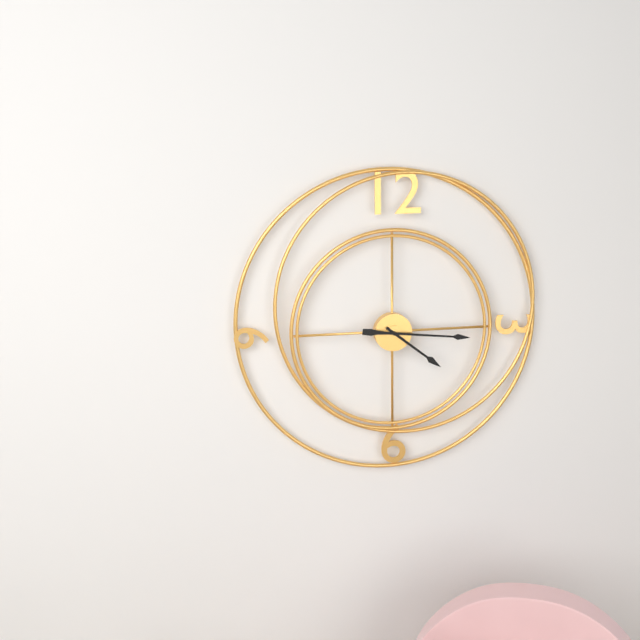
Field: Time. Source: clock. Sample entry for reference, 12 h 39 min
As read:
4 h 16 min
